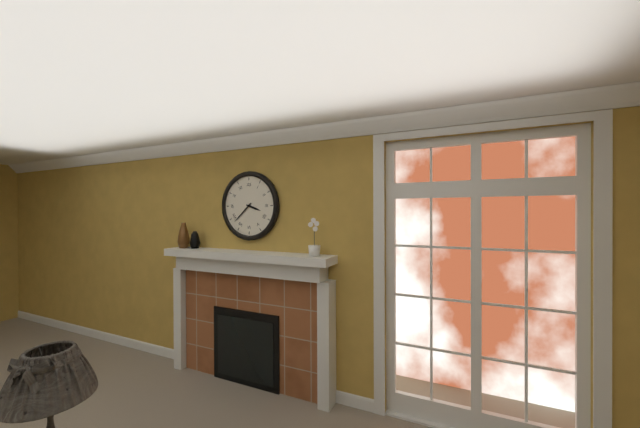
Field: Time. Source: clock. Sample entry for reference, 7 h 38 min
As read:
3 h 38 min
